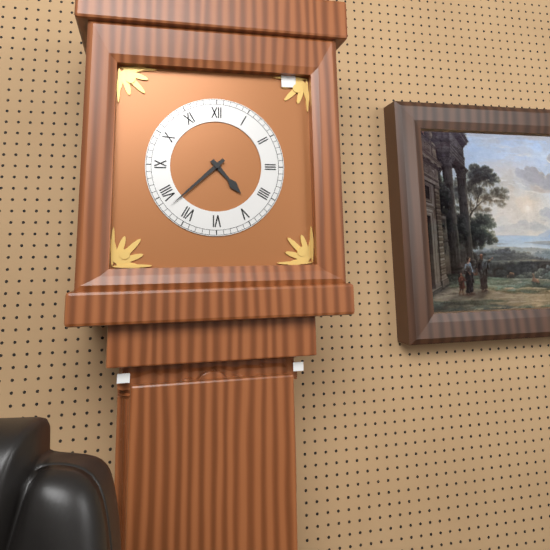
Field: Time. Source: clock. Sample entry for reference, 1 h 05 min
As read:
4 h 38 min
